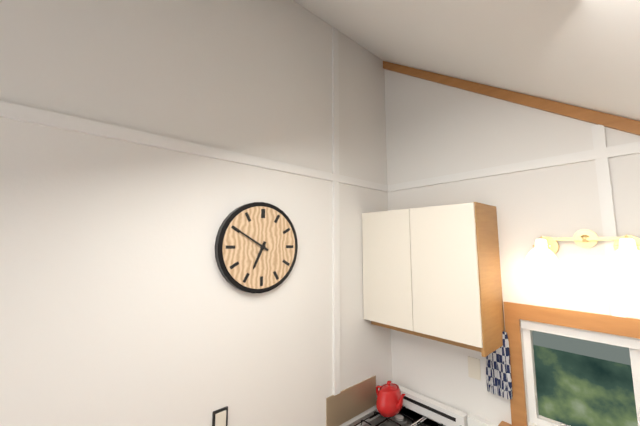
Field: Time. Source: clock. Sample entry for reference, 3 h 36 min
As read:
6 h 50 min
